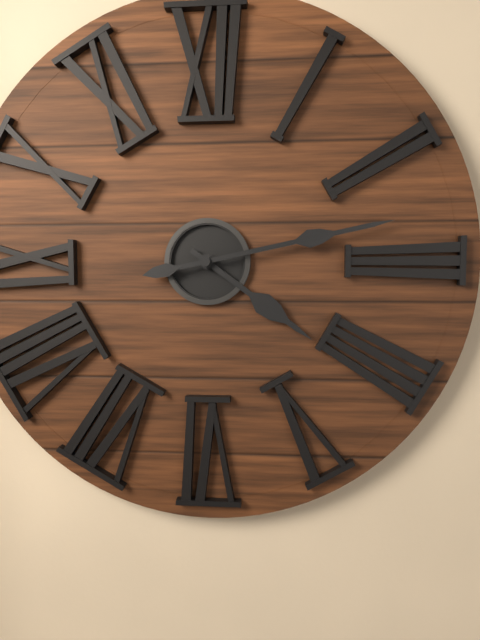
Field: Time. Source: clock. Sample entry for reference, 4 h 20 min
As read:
4 h 13 min
